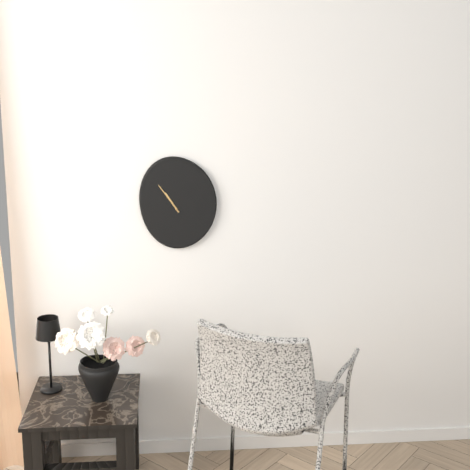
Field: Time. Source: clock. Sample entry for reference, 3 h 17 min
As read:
10 h 54 min
